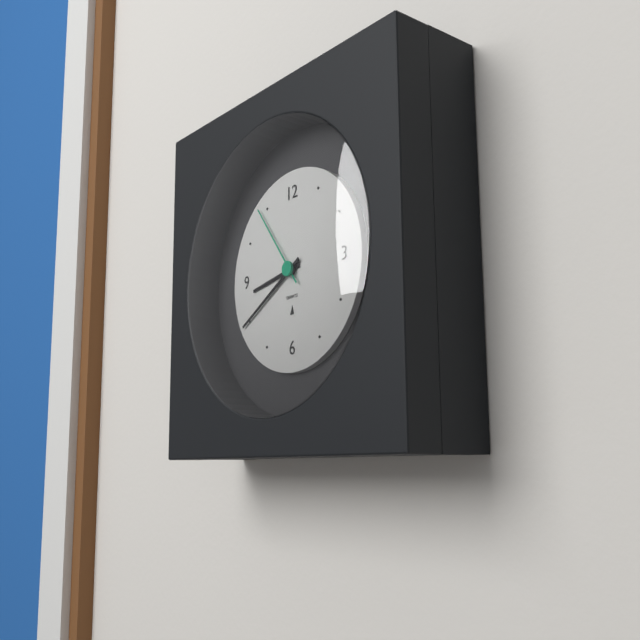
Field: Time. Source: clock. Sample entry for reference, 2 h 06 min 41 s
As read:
8 h 40 min 54 s
